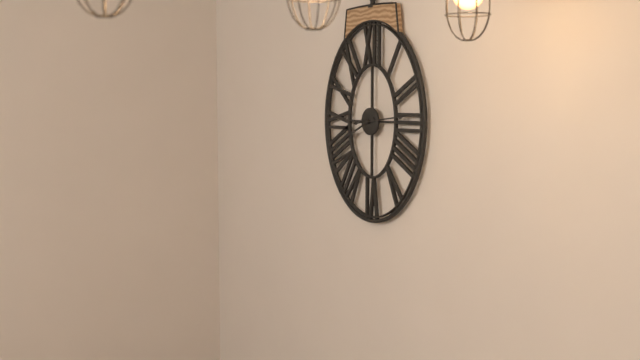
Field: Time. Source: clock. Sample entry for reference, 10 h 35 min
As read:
8 h 14 min
